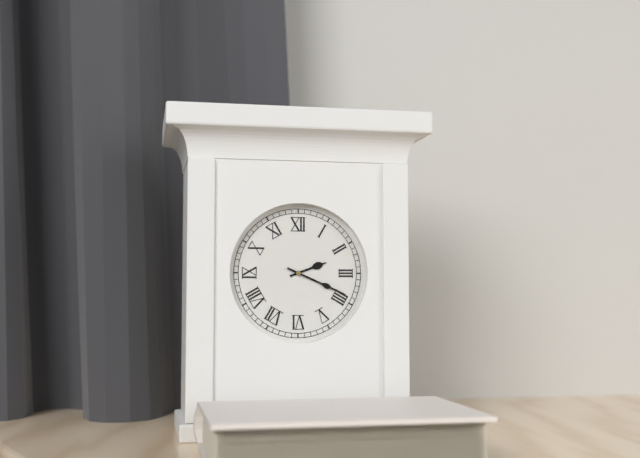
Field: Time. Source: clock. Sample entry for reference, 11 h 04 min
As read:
2 h 19 min
